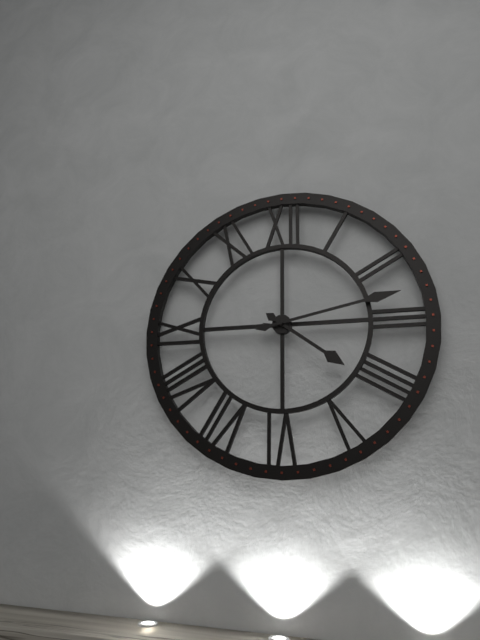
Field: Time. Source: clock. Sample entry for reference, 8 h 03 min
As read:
4 h 13 min
